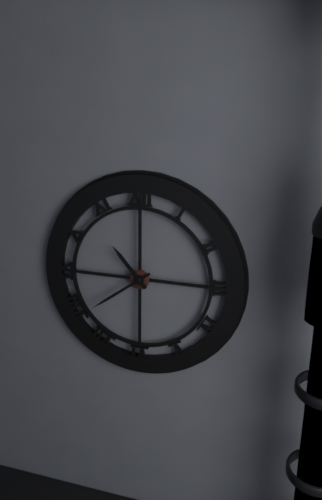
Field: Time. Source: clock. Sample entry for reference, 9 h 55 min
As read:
10 h 39 min
